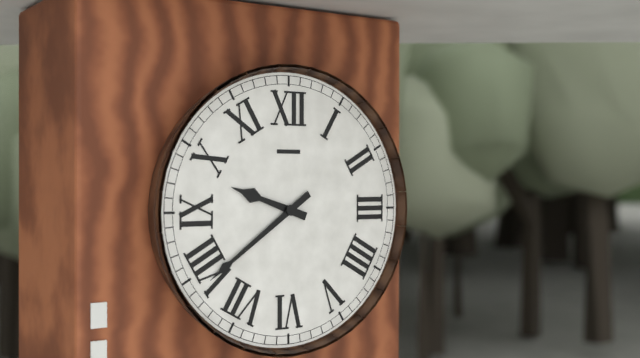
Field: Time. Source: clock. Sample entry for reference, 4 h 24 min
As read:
9 h 39 min
